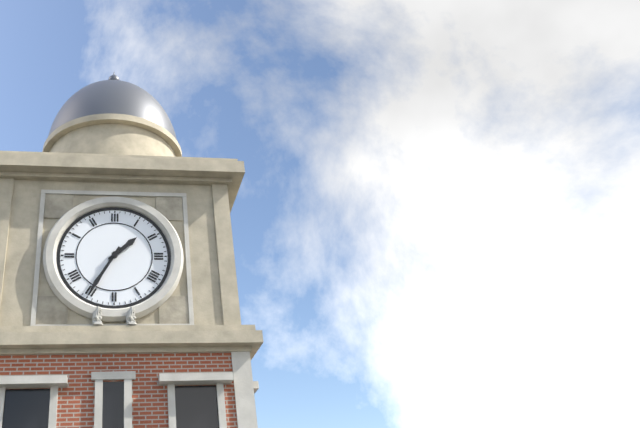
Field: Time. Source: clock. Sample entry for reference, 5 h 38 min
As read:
1 h 35 min
